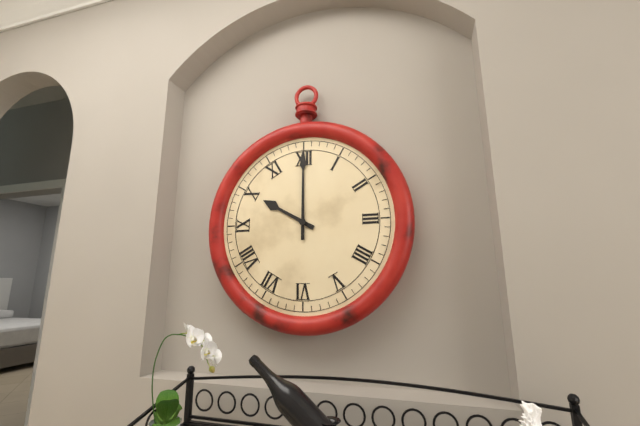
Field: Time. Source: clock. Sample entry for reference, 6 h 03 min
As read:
10 h 00 min
